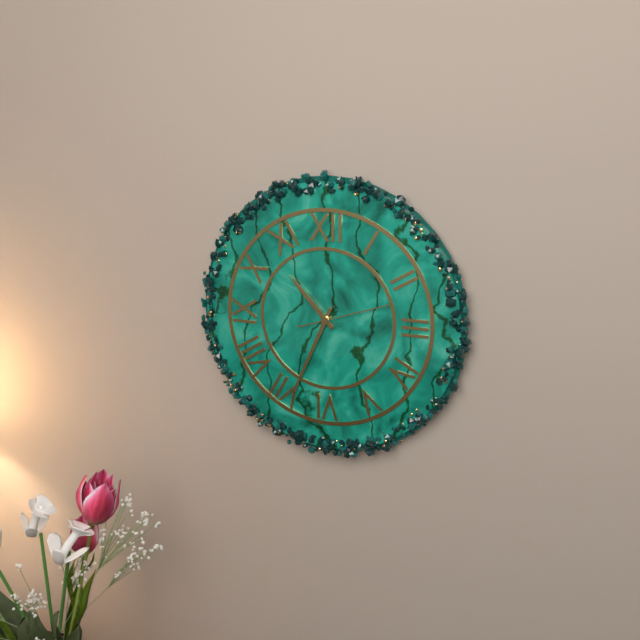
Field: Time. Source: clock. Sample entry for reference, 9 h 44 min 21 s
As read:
10 h 34 min 12 s
